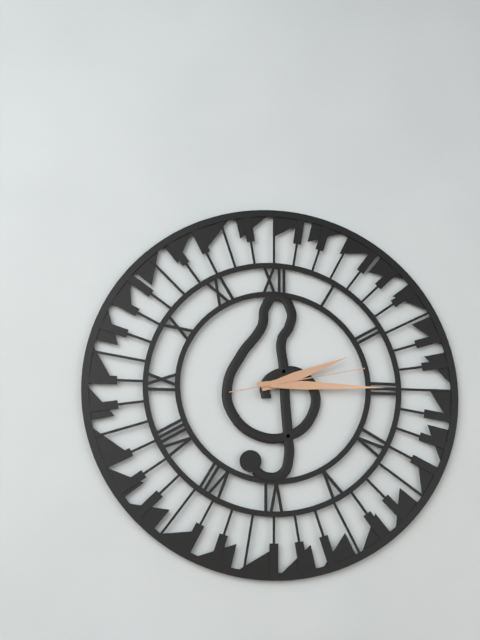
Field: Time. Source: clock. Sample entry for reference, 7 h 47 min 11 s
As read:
2 h 15 min 13 s
